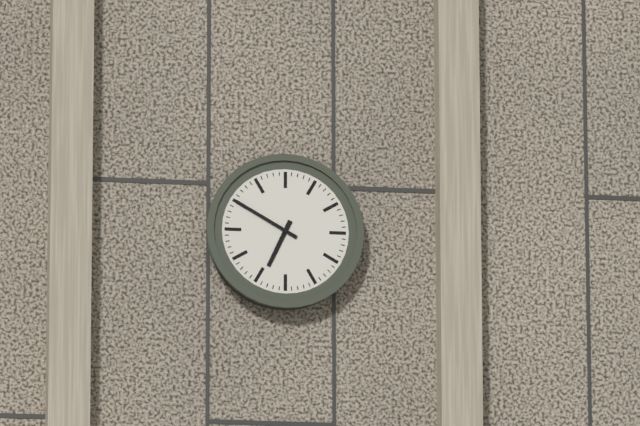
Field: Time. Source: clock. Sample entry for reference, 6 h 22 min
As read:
6 h 50 min
